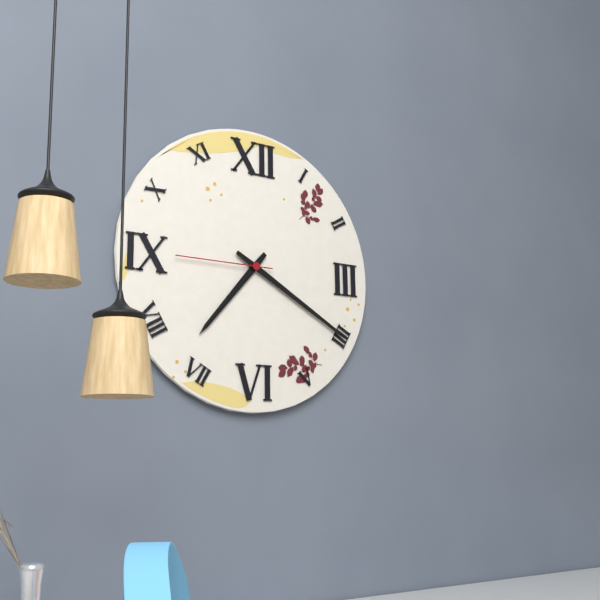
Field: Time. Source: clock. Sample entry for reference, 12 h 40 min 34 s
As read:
7 h 20 min 45 s
